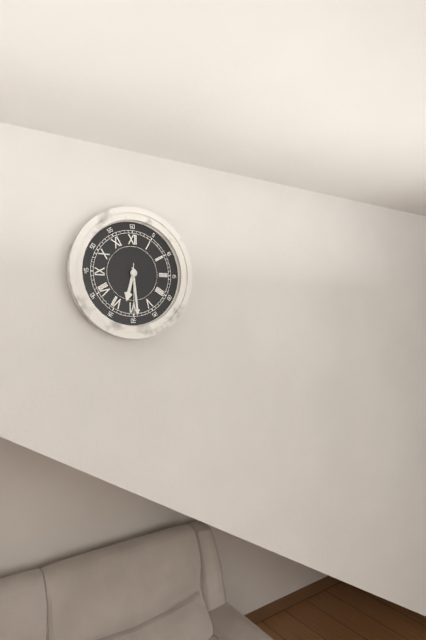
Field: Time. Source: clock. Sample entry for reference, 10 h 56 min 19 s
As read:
6 h 29 min 30 s
